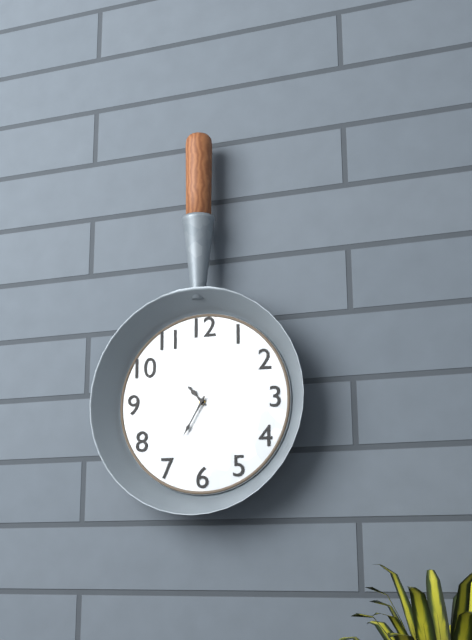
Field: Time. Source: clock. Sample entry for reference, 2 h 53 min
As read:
10 h 35 min
